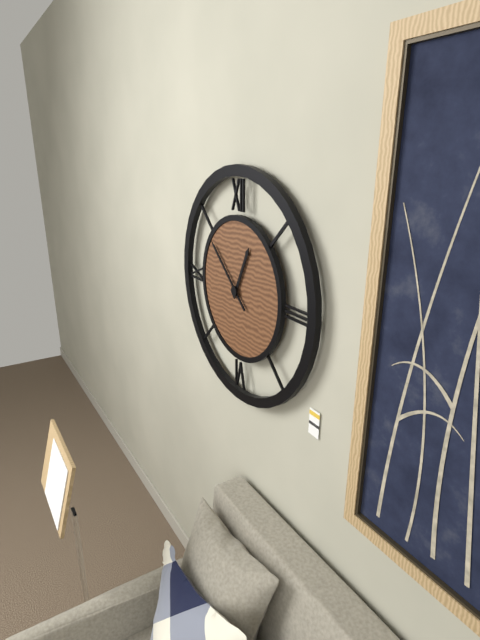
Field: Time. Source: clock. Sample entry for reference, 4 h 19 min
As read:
12 h 52 min
